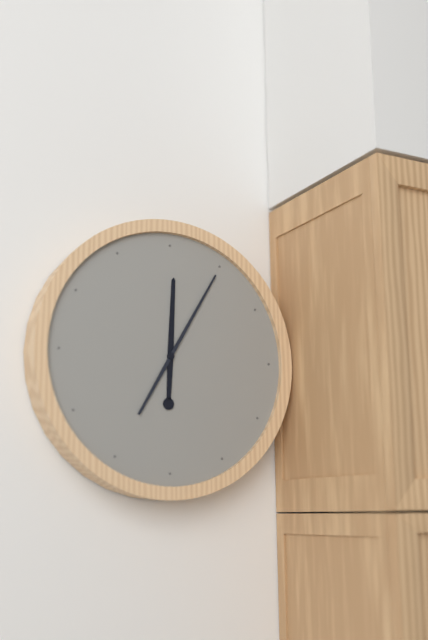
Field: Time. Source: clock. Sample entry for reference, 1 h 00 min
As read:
12 h 05 min
